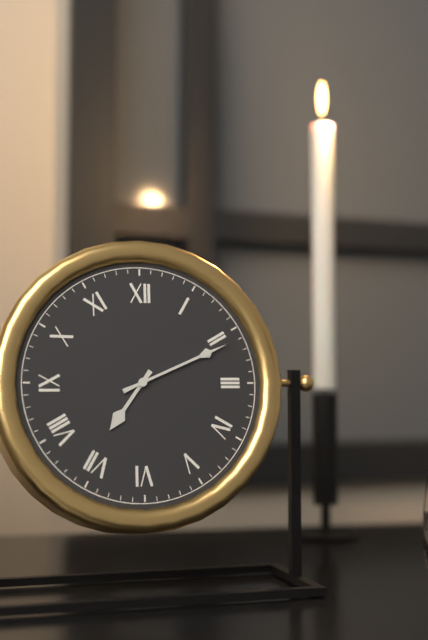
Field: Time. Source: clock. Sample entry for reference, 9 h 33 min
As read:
7 h 11 min
